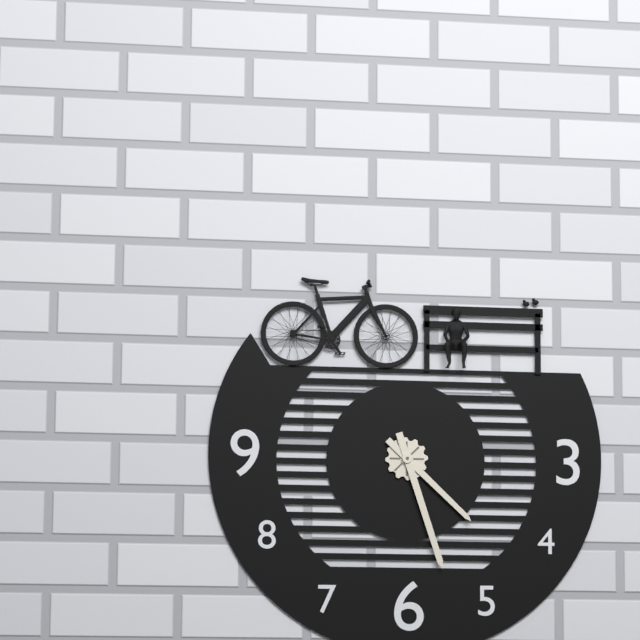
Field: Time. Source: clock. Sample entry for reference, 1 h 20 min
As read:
4 h 27 min
